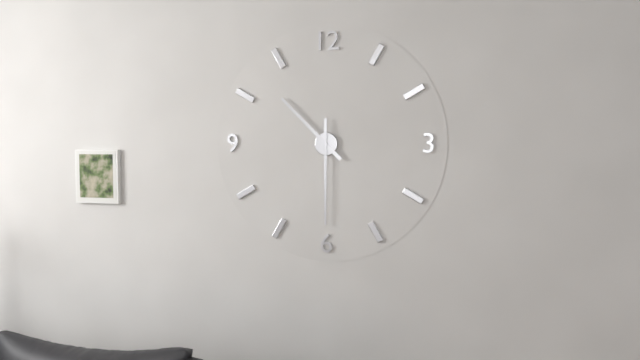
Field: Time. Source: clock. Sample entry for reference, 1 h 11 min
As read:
10 h 30 min
